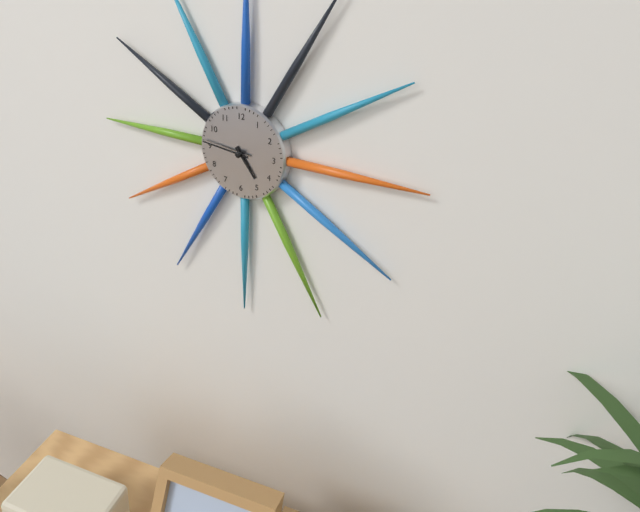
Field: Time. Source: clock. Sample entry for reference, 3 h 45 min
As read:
4 h 46 min
